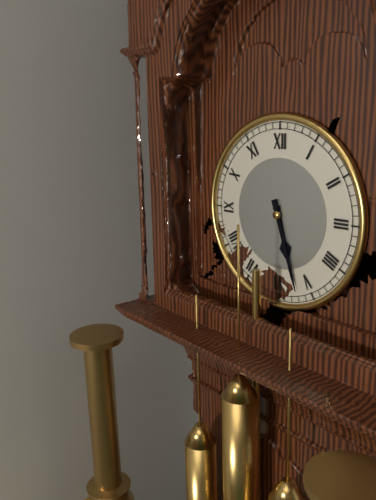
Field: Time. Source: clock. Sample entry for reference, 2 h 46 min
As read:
5 h 27 min
